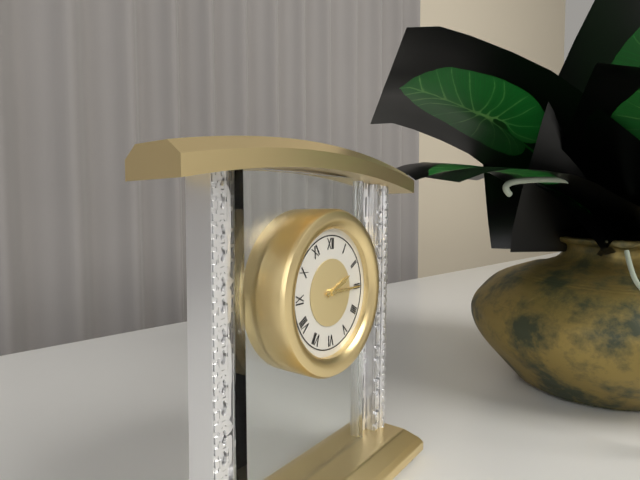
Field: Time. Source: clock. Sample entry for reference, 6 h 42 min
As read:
2 h 15 min
